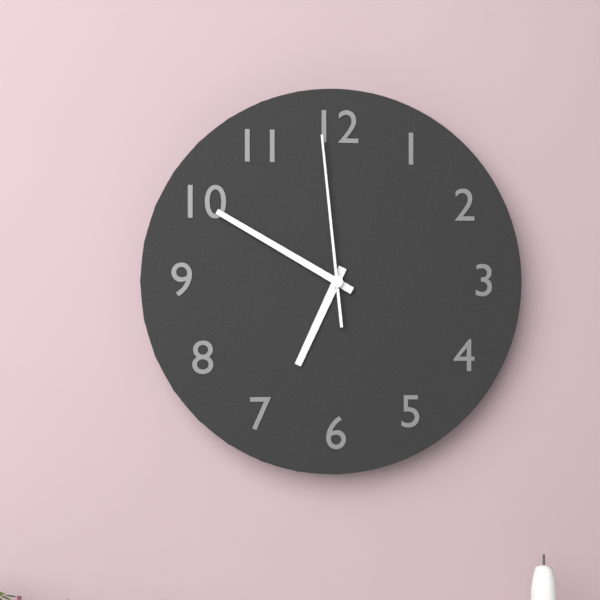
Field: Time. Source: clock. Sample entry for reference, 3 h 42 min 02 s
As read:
6 h 50 min 59 s
